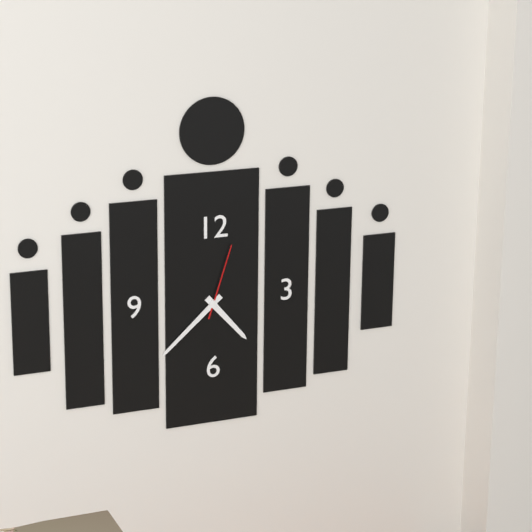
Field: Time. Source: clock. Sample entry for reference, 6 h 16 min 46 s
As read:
4 h 38 min 03 s
